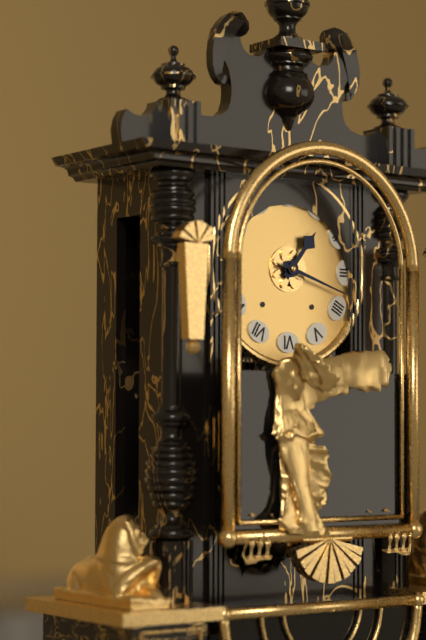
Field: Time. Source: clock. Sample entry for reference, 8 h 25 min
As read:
1 h 18 min
